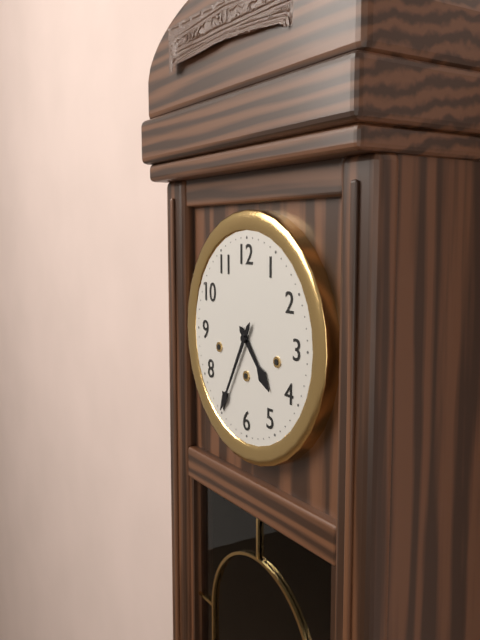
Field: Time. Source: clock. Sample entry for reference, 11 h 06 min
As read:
4 h 35 min
